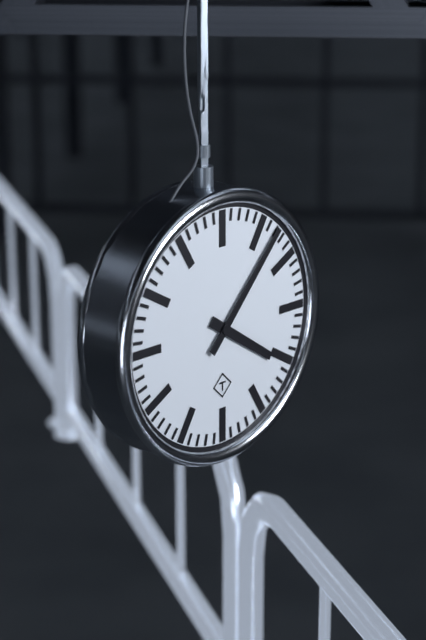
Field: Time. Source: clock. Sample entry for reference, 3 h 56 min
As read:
4 h 07 min
